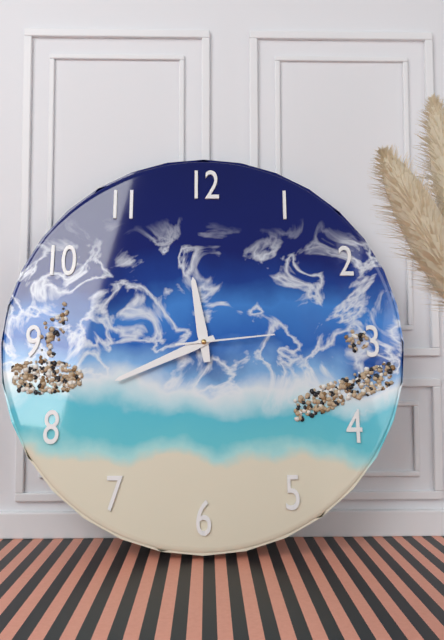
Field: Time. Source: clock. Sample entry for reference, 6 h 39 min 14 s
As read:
11 h 41 min 14 s
